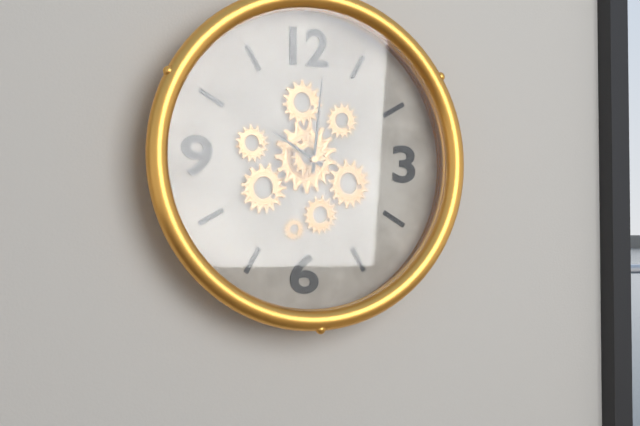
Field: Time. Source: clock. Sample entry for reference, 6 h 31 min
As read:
10 h 01 min
